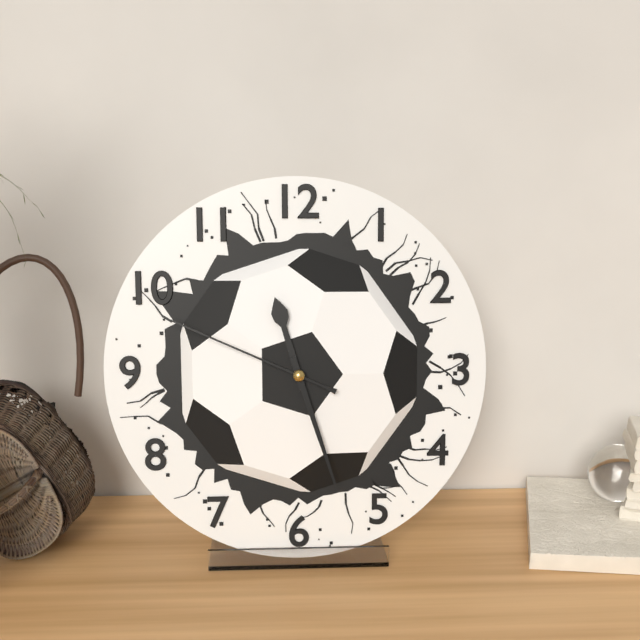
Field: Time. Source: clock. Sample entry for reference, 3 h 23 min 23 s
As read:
11 h 27 min 49 s
